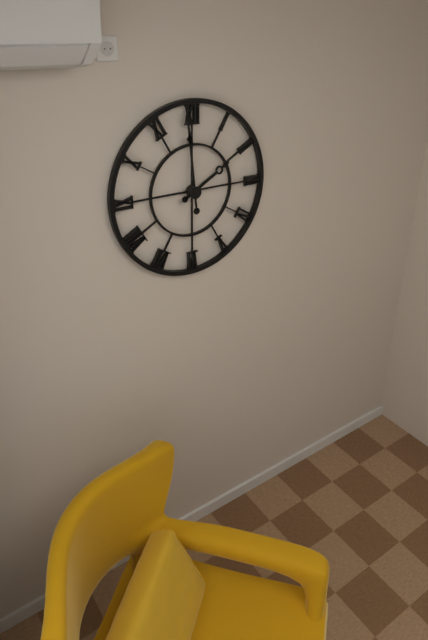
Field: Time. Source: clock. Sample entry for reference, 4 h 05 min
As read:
1 h 59 min
